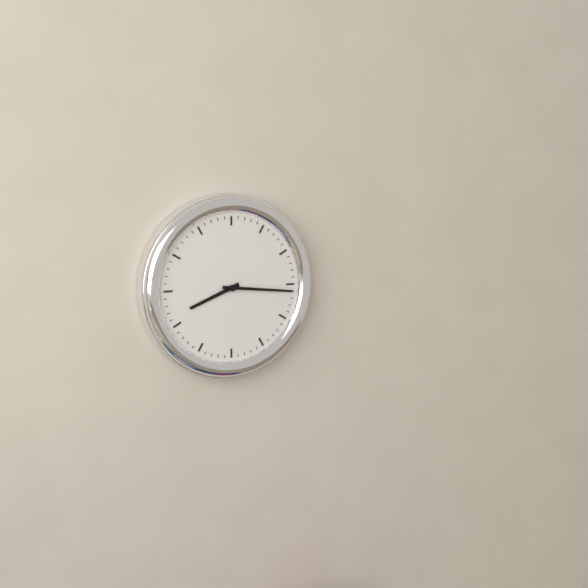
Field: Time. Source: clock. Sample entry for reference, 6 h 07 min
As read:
8 h 16 min
